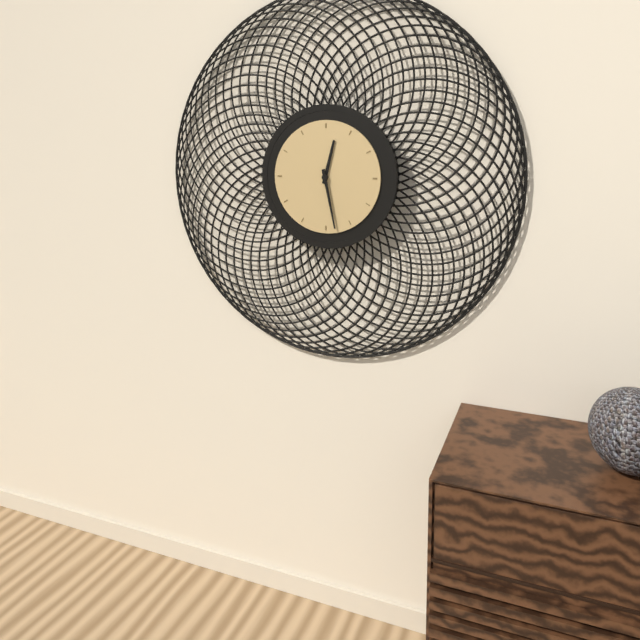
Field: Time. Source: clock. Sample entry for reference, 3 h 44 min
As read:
12 h 28 min
